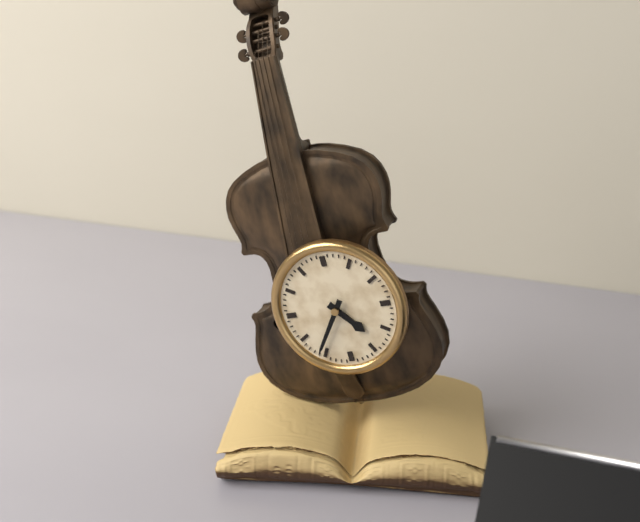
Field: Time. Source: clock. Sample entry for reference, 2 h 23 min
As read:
4 h 36 min
